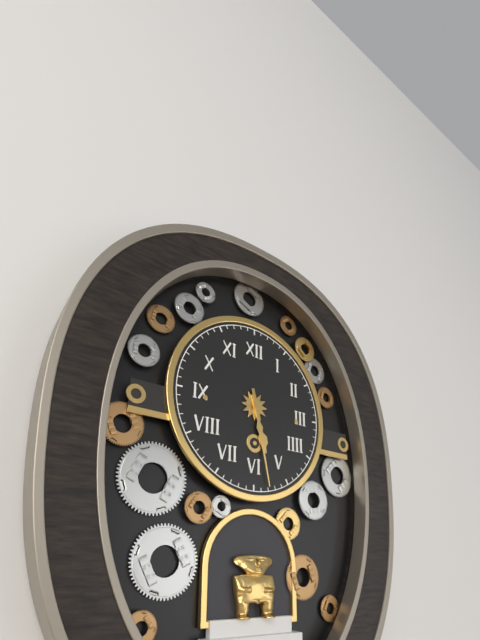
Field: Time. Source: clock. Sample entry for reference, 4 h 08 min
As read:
5 h 28 min
